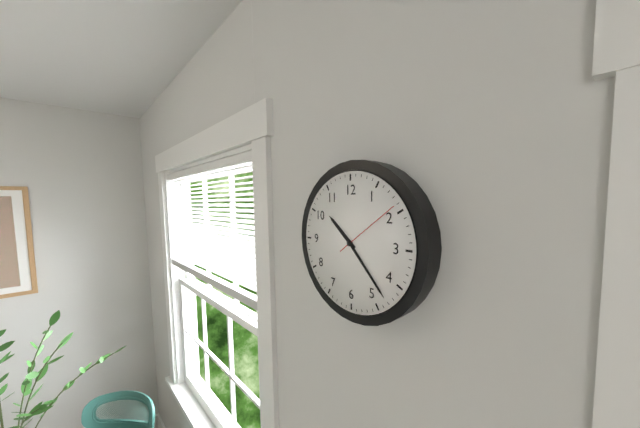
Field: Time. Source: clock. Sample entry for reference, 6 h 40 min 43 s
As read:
10 h 23 min 09 s
